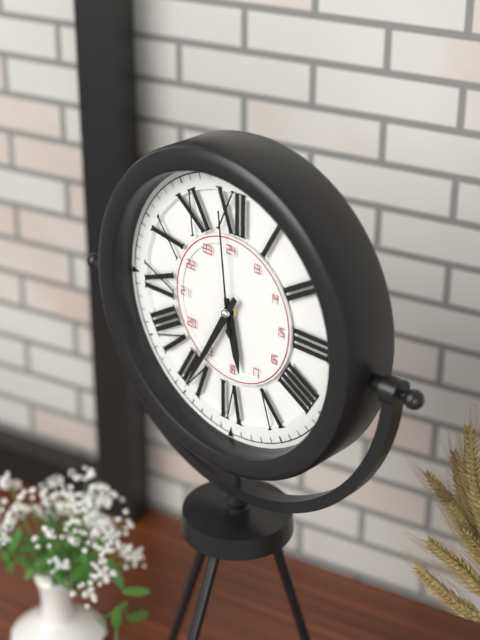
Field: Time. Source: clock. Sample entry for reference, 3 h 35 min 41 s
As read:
5 h 35 min 59 s
